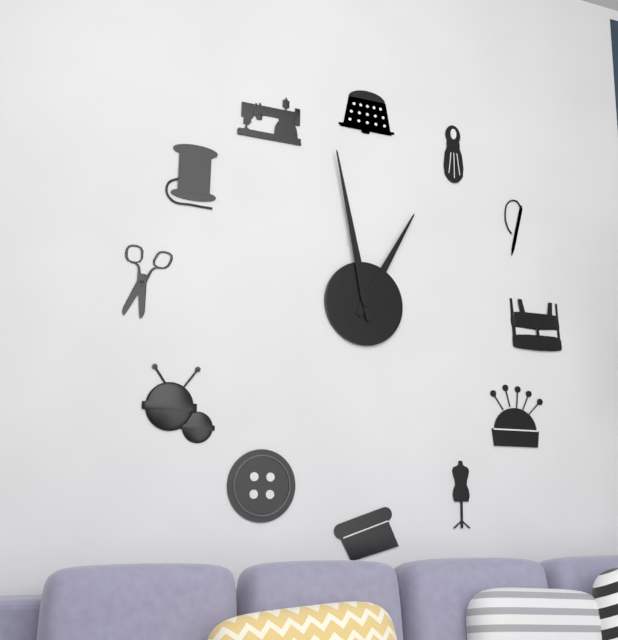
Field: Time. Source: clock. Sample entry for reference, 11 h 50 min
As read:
12 h 58 min
